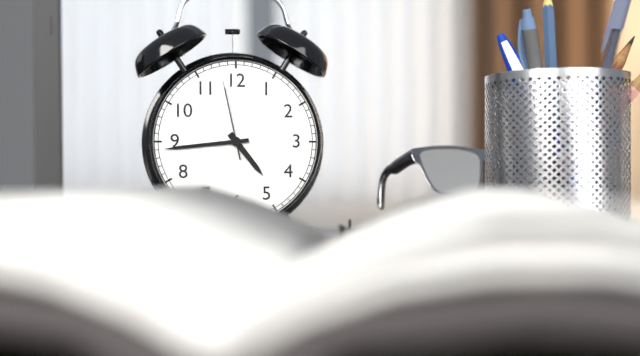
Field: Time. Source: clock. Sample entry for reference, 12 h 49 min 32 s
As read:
4 h 44 min 58 s
